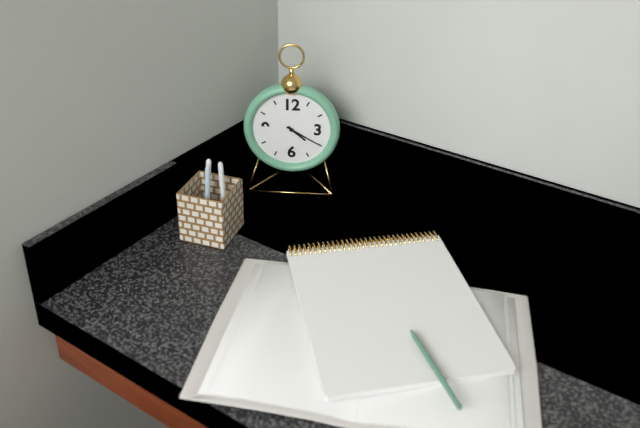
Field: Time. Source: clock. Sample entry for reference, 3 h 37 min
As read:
4 h 20 min
